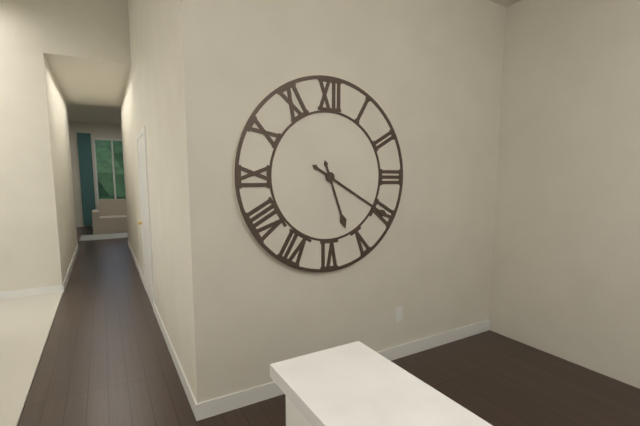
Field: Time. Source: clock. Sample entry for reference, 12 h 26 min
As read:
5 h 20 min
